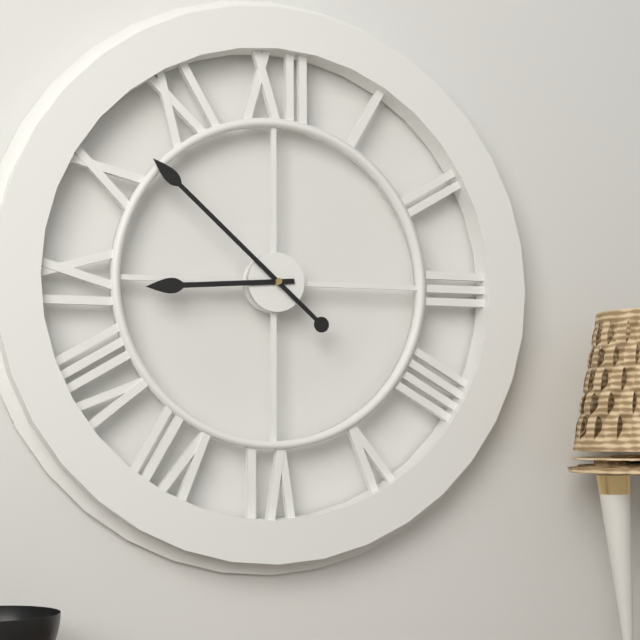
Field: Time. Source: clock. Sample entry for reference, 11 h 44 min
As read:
8 h 52 min
